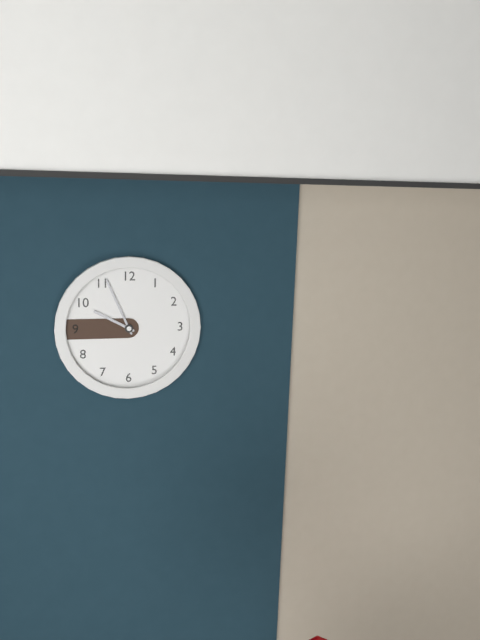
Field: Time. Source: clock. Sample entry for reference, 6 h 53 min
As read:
9 h 56 min
